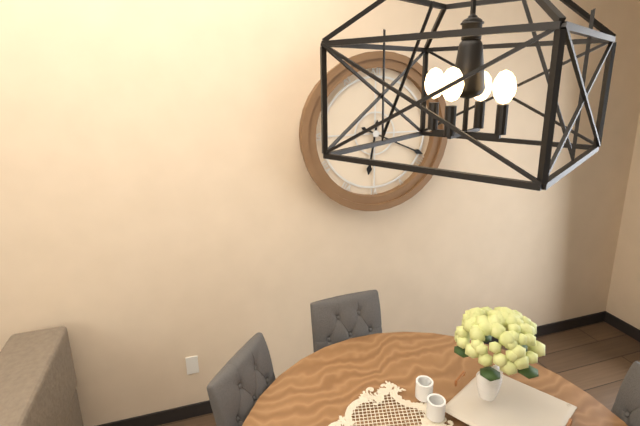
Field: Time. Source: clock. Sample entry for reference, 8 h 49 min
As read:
6 h 19 min
